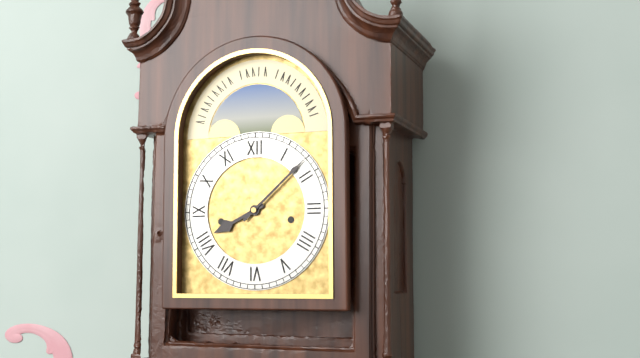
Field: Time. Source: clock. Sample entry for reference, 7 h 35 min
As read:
8 h 08 min
